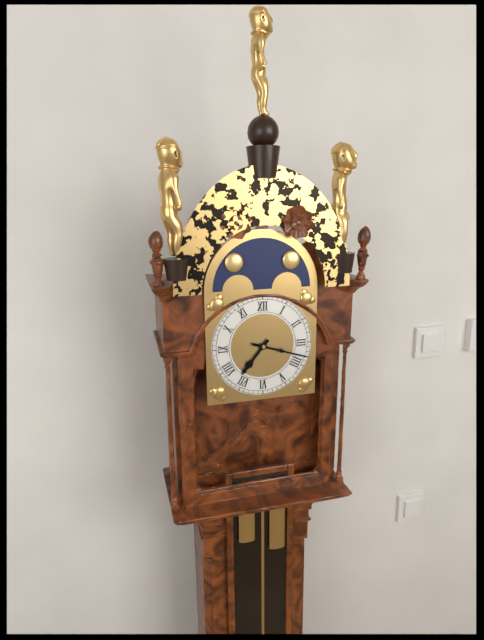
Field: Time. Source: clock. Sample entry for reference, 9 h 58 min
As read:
7 h 18 min
